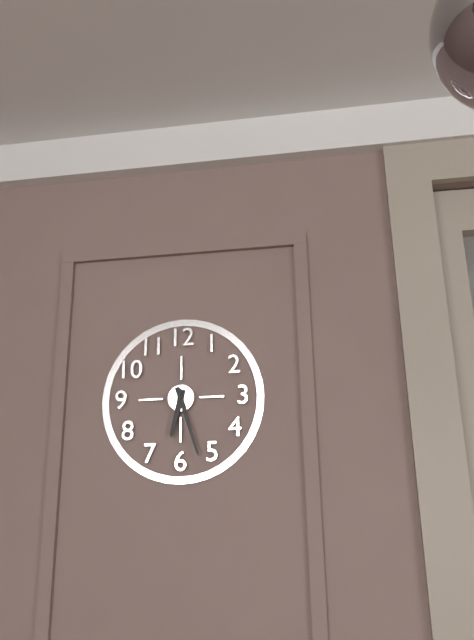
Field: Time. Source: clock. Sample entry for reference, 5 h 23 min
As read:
6 h 27 min
